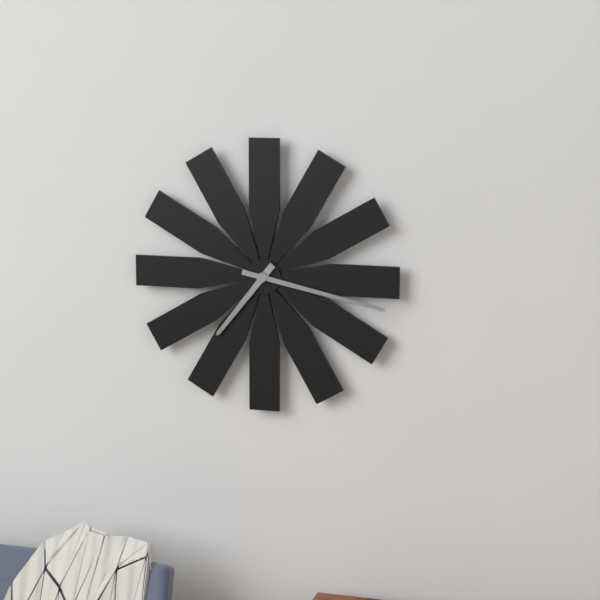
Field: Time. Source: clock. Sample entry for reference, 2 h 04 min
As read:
7 h 17 min
